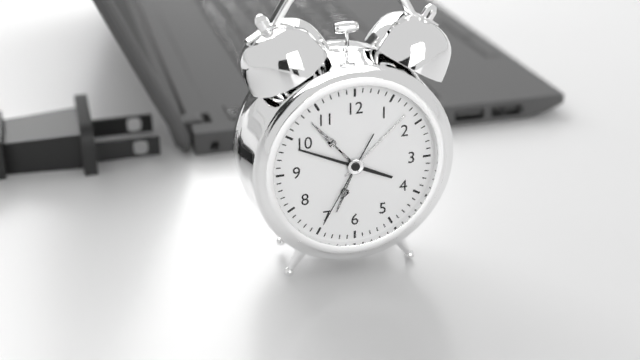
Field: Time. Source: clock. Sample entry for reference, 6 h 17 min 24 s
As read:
3 h 49 min 35 s
